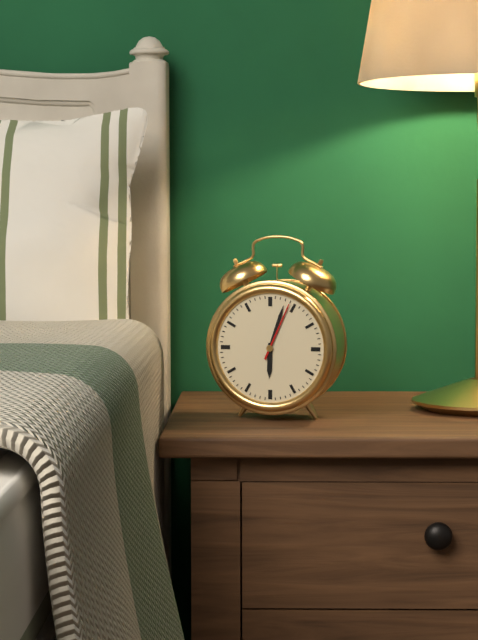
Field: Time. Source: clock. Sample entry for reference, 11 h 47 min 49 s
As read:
6 h 03 min 04 s
